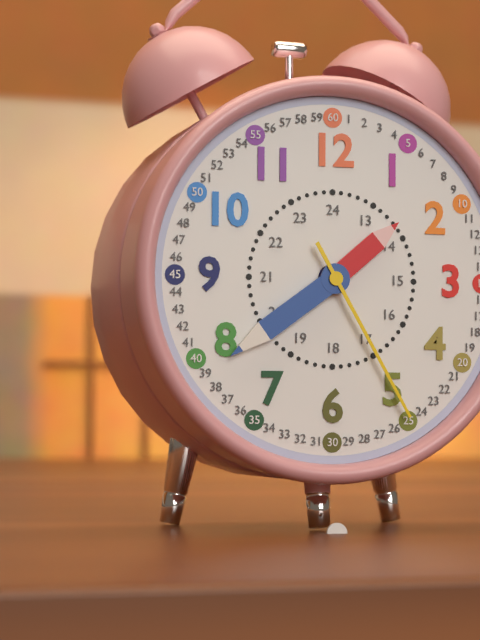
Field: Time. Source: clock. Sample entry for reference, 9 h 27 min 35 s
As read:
1 h 39 min 25 s
